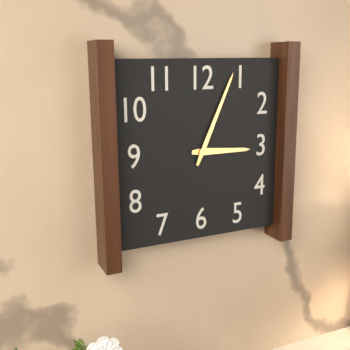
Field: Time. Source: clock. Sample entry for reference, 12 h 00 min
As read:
3 h 04 min
